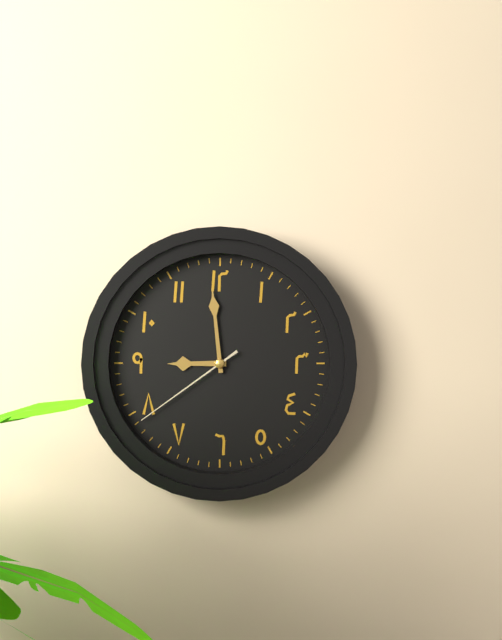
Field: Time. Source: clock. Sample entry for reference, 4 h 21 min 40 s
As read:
8 h 59 min 39 s
